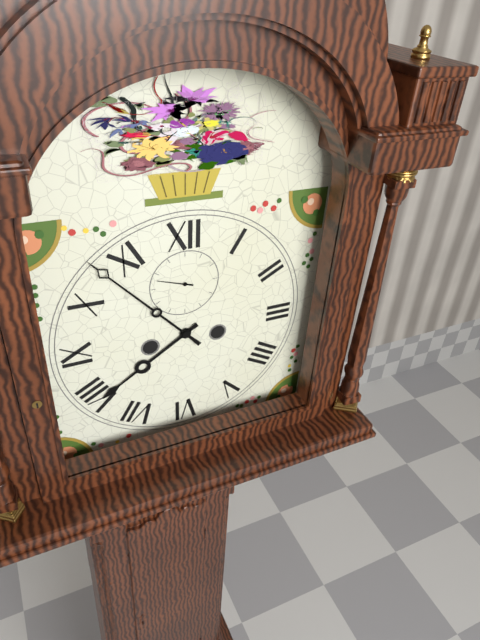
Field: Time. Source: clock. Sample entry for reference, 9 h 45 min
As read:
7 h 53 min
